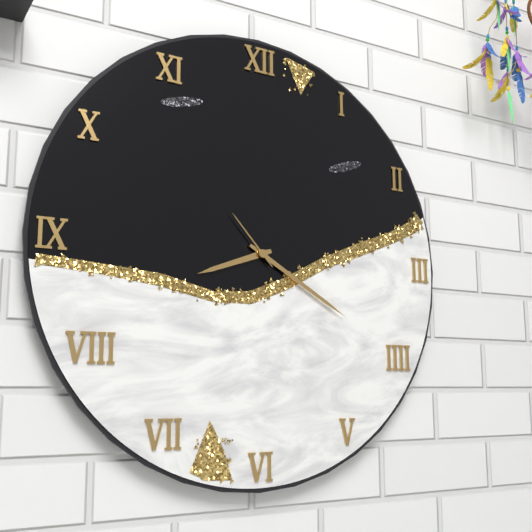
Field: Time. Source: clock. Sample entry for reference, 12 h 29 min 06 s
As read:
8 h 20 min 53 s
